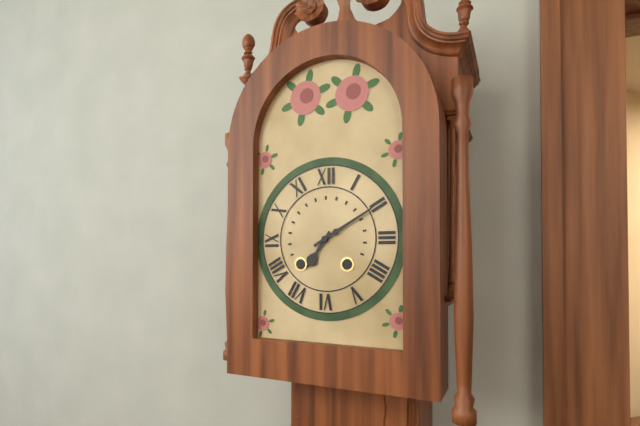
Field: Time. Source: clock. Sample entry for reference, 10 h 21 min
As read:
7 h 10 min
